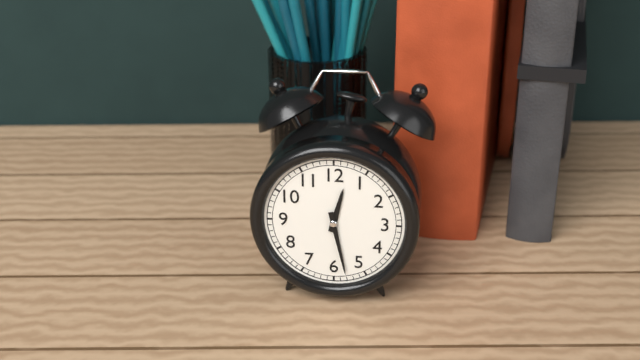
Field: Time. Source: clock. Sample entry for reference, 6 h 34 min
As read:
12 h 28 min
